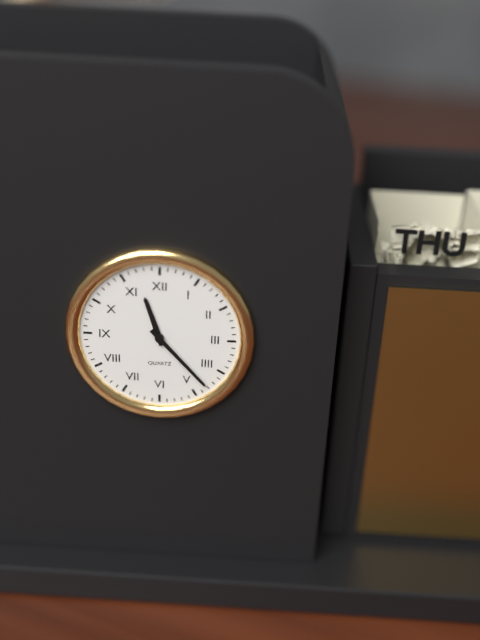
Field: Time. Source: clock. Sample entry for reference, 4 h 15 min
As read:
11 h 23 min
